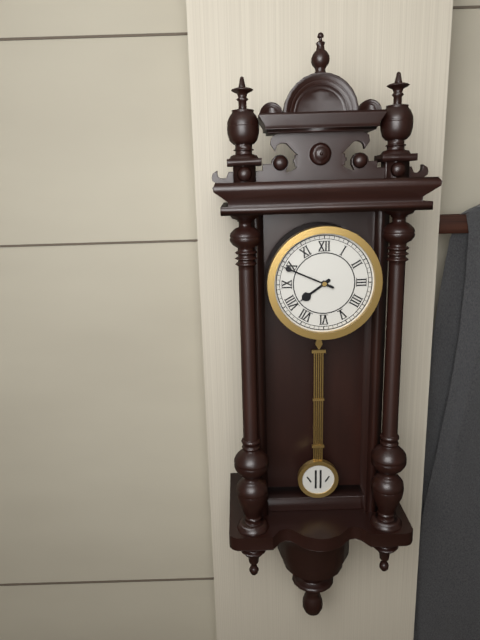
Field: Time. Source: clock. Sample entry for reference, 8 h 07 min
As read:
7 h 49 min
